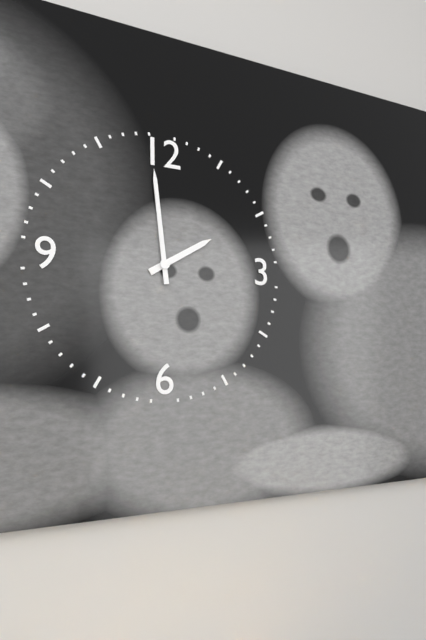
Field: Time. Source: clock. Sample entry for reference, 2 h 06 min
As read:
1 h 59 min
